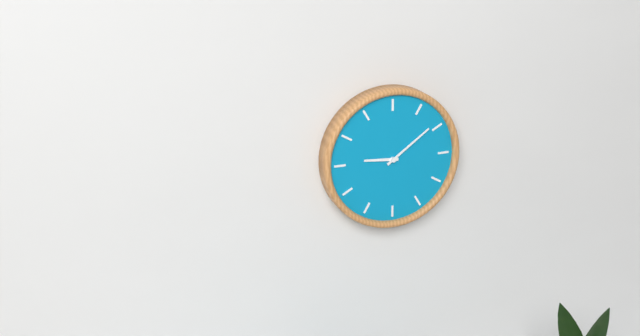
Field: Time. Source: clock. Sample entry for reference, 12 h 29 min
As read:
9 h 09 min
